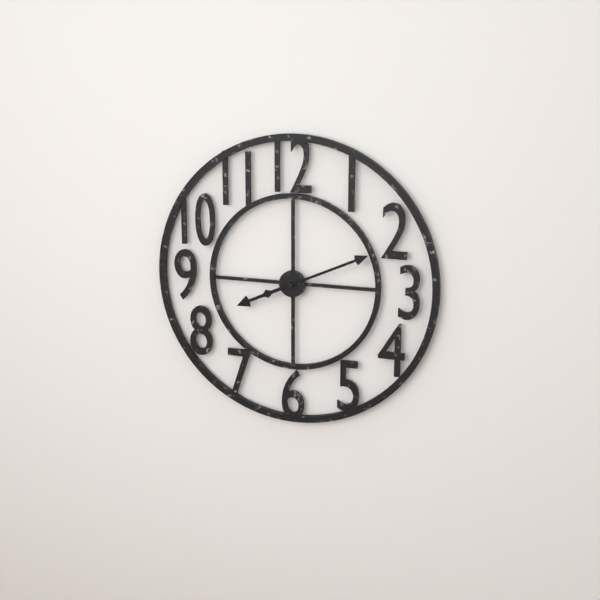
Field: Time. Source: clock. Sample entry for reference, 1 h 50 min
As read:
8 h 11 min
